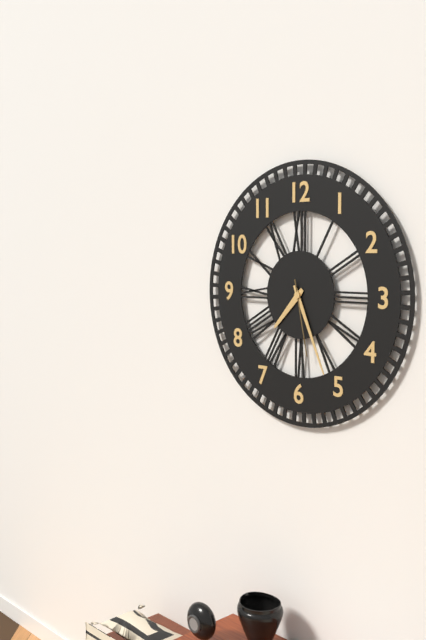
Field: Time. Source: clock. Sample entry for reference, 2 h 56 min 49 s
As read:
7 h 26 min 28 s
